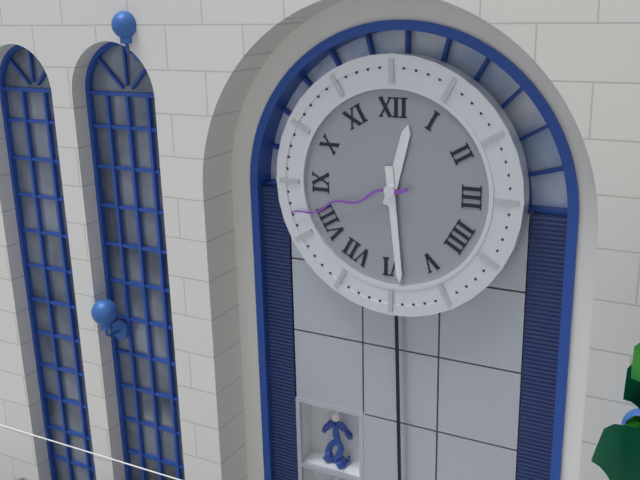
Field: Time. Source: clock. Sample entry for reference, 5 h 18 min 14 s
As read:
12 h 29 min 42 s
